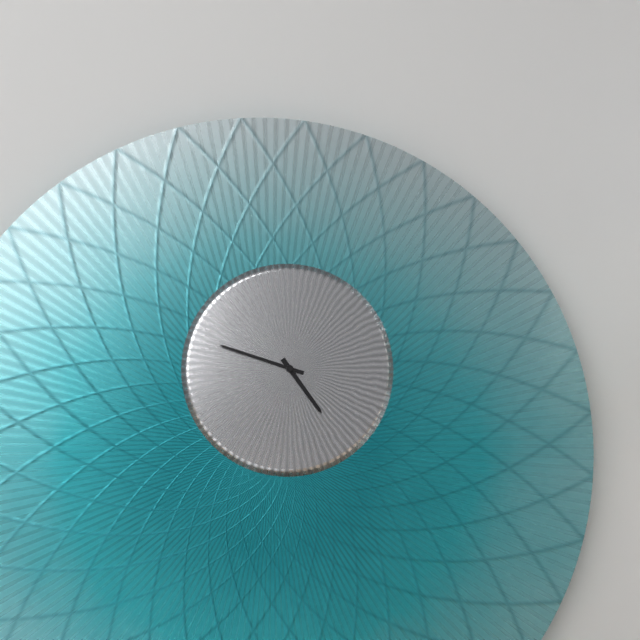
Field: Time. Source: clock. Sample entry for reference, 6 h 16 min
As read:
4 h 48 min
